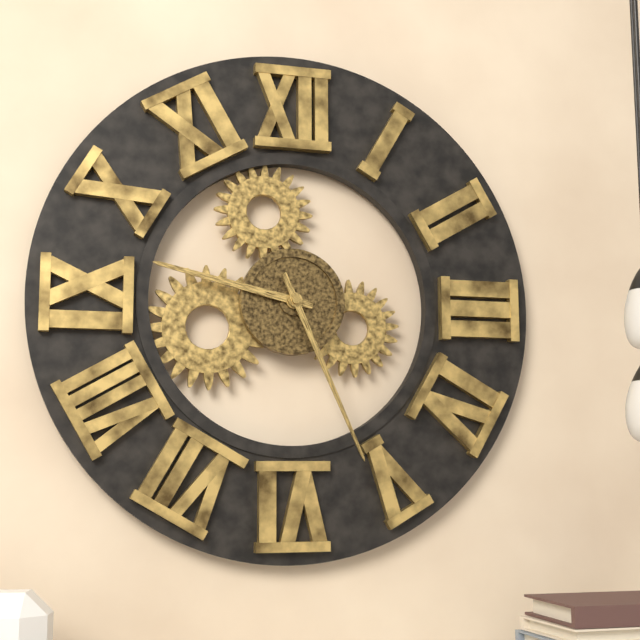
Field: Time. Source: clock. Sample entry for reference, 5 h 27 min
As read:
9 h 26 min
